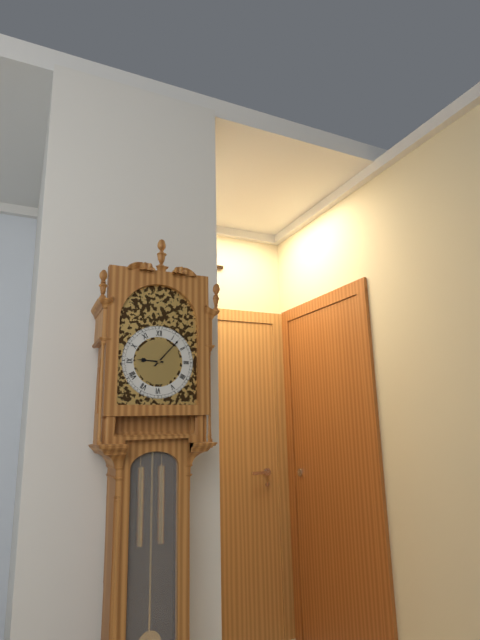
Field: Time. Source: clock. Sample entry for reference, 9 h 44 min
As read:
9 h 07 min
